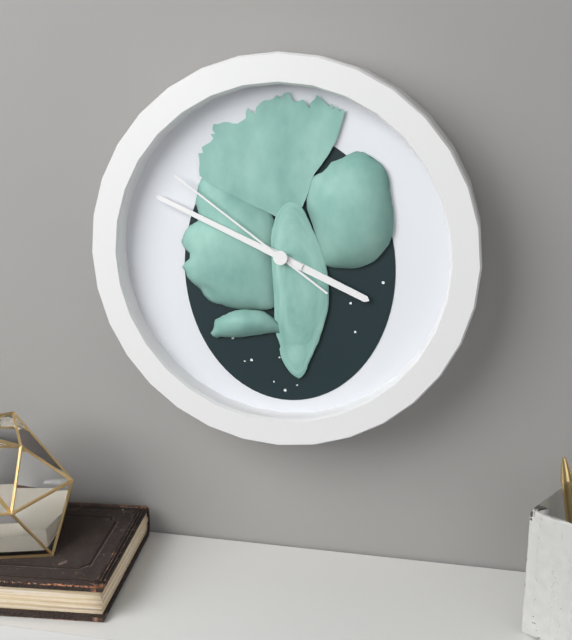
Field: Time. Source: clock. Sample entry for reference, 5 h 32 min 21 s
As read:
3 h 49 min 51 s
